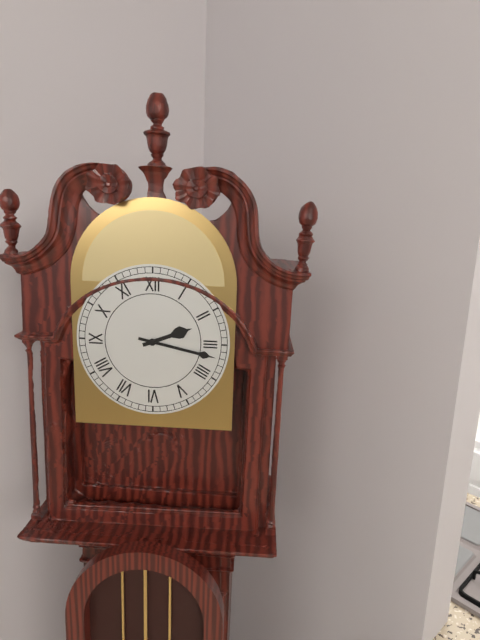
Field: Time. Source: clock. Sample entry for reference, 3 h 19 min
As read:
2 h 17 min
